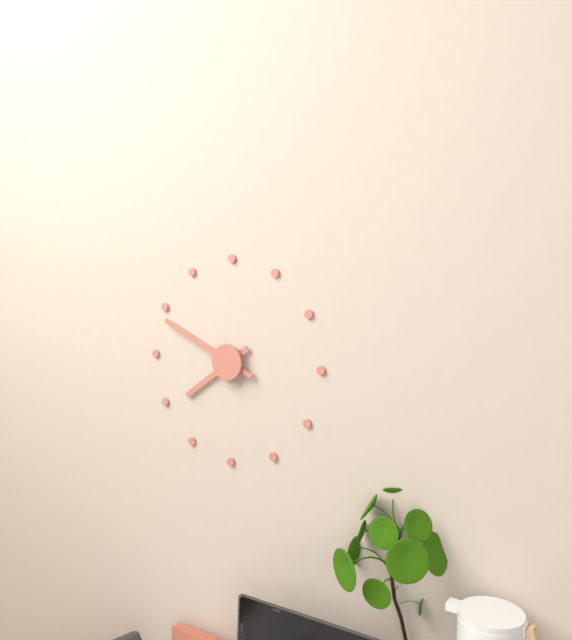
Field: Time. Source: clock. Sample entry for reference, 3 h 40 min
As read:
7 h 49 min
